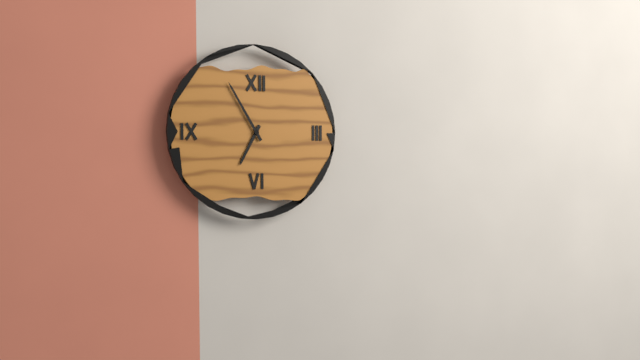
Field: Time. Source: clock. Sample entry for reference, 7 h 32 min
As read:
6 h 55 min
